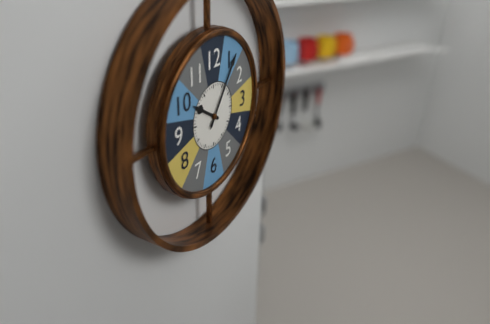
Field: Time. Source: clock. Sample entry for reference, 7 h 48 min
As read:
10 h 06 min
